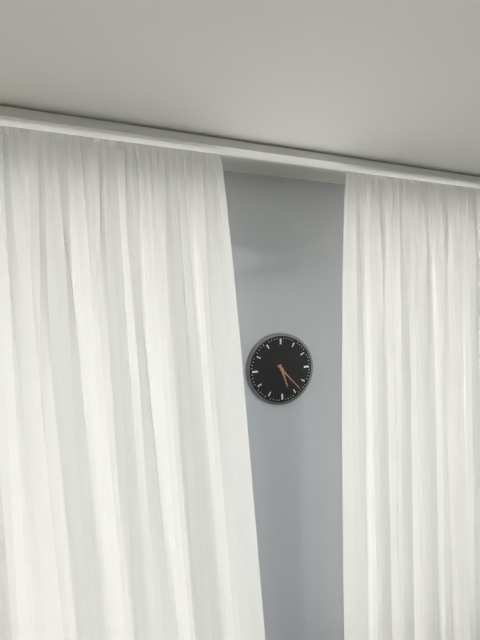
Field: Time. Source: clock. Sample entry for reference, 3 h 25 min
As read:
5 h 23 min
